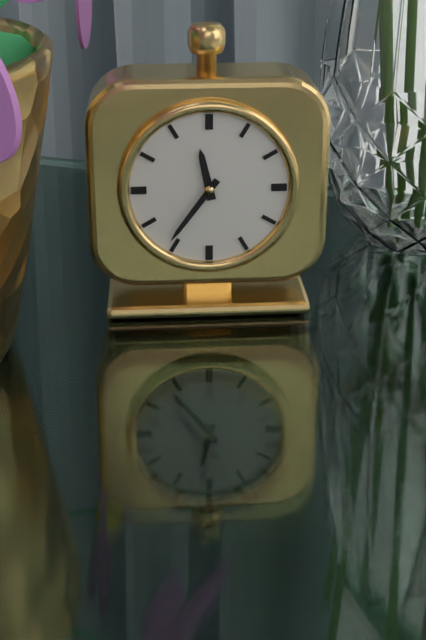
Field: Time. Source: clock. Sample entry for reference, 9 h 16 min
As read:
11 h 36 min
